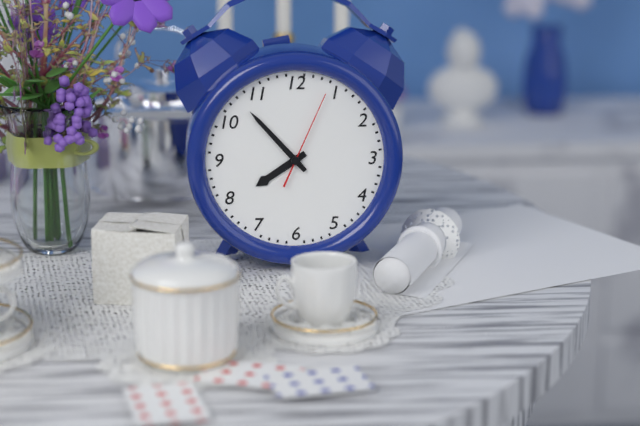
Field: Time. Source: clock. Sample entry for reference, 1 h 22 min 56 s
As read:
7 h 53 min 04 s
